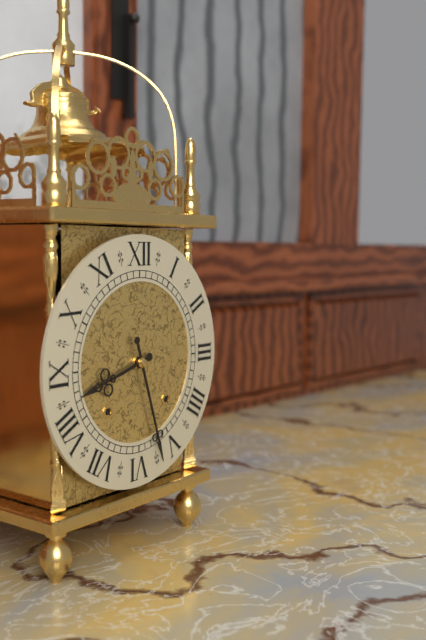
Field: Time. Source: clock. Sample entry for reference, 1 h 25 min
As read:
8 h 27 min
